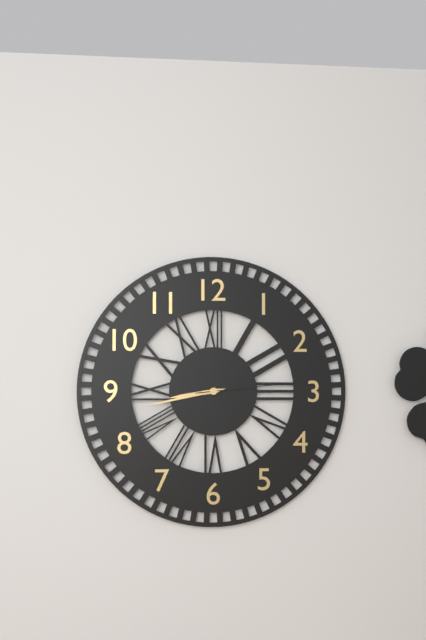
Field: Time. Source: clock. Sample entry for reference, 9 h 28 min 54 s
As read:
8 h 43 min 14 s
